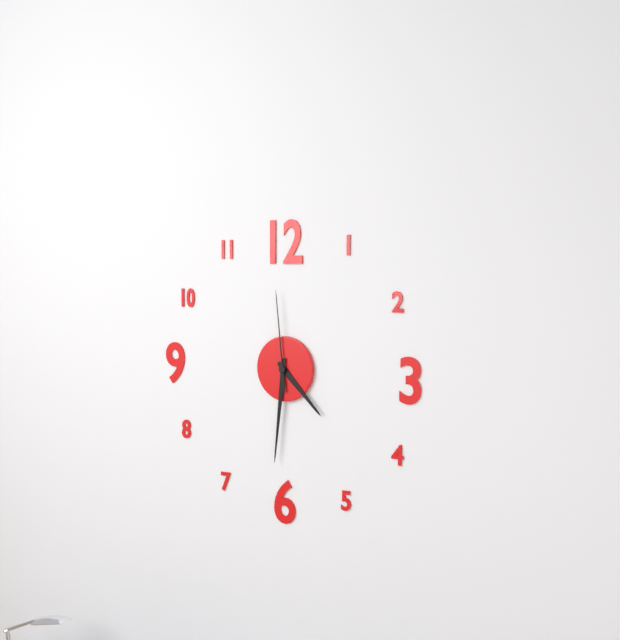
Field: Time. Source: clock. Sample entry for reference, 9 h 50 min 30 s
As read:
4 h 31 min 59 s
